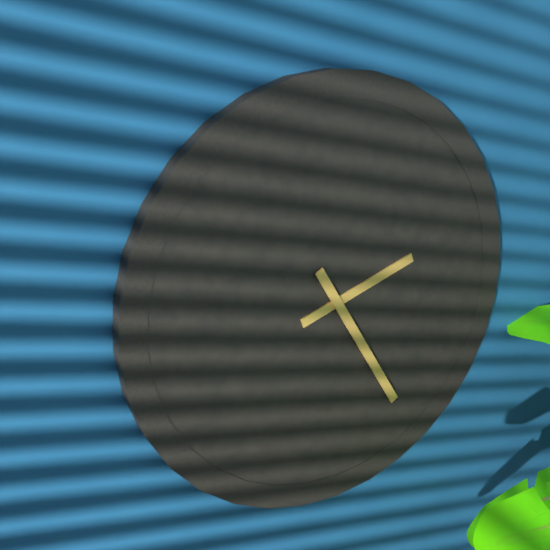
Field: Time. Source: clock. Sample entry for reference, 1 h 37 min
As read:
2 h 25 min
